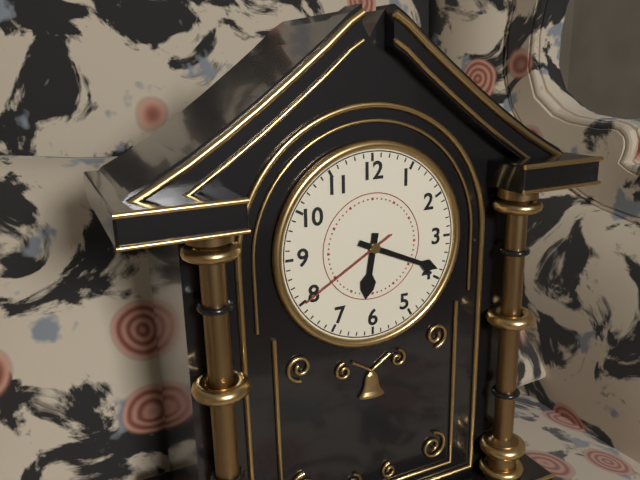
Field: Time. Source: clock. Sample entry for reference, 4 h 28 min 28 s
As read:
6 h 19 min 40 s
